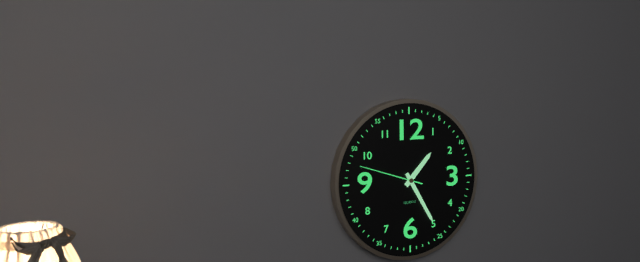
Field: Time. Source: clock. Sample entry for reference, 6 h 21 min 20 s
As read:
1 h 25 min 48 s
